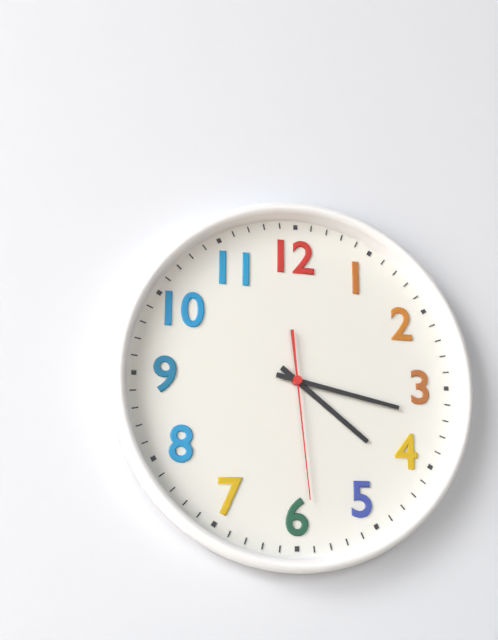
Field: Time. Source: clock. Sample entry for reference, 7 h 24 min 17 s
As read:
4 h 17 min 29 s
